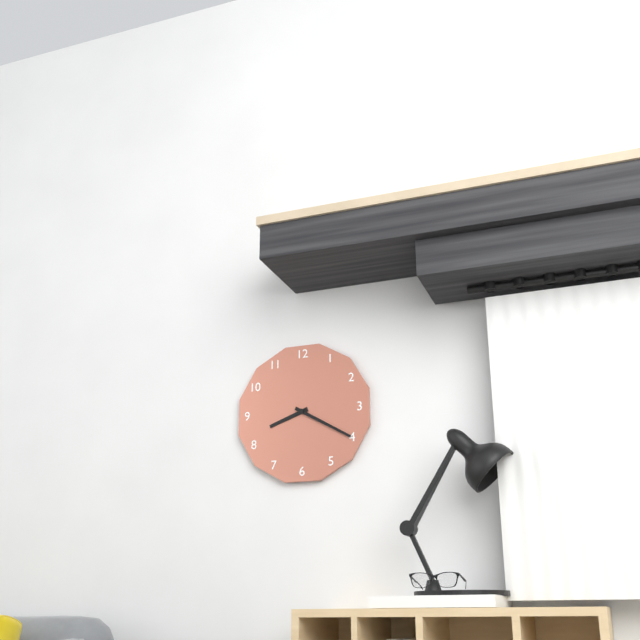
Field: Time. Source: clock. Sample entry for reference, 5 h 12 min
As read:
8 h 20 min
